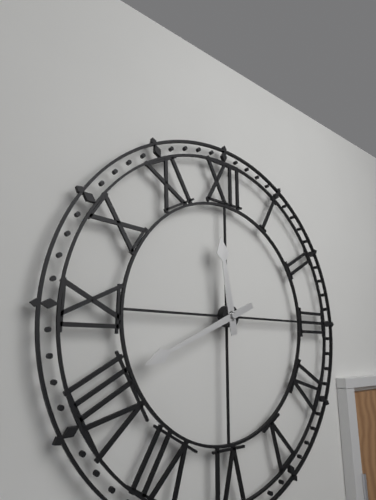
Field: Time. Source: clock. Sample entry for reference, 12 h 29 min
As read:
11 h 41 min
